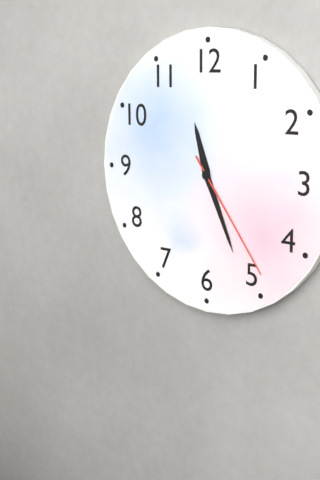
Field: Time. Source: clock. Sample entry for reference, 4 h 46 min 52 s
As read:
11 h 26 min 24 s
